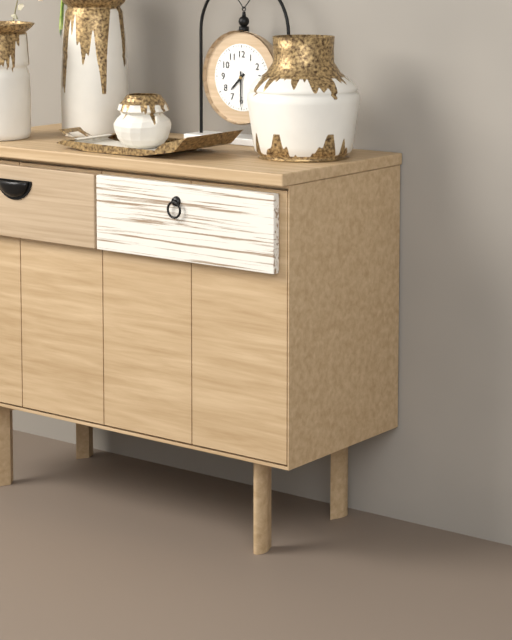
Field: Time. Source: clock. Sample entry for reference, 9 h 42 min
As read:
7 h 30 min
